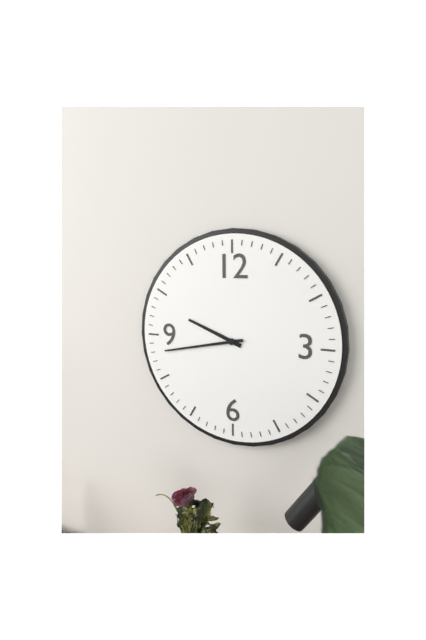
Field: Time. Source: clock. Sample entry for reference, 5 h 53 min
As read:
9 h 43 min
